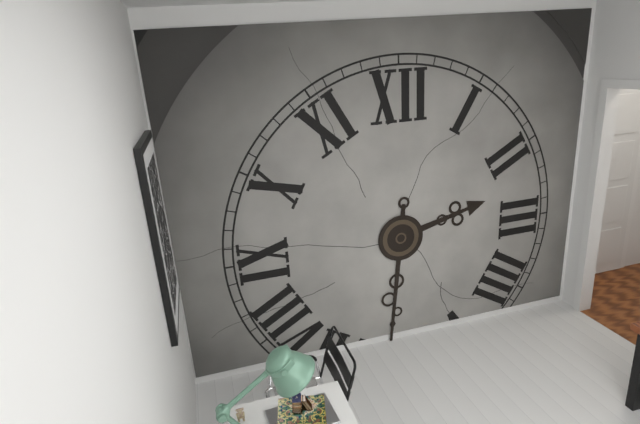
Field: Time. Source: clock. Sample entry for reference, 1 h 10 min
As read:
2 h 31 min
